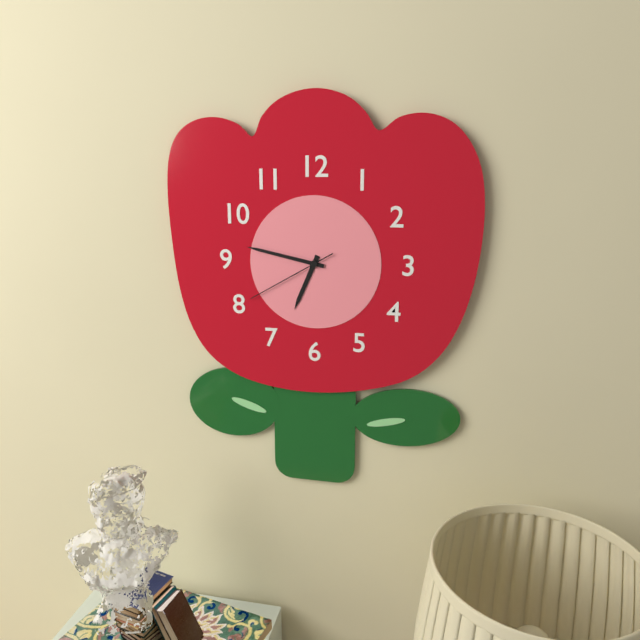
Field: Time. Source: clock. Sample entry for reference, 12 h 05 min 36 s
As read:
6 h 47 min 40 s
